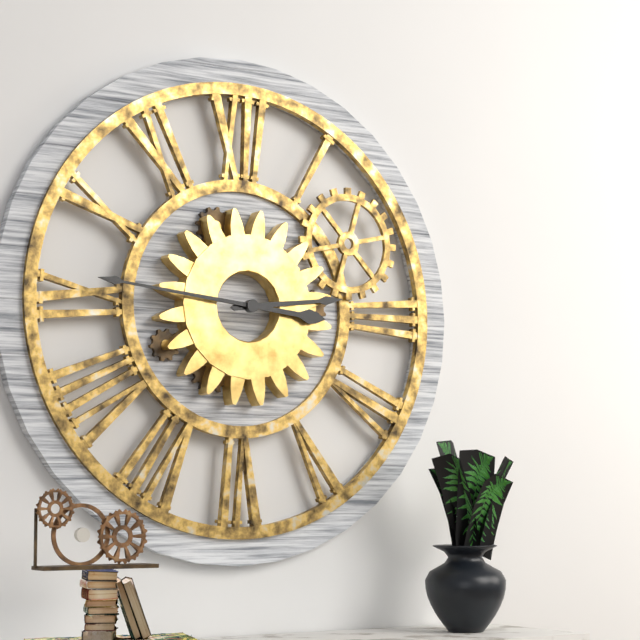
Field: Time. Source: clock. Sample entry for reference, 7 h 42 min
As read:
2 h 46 min
